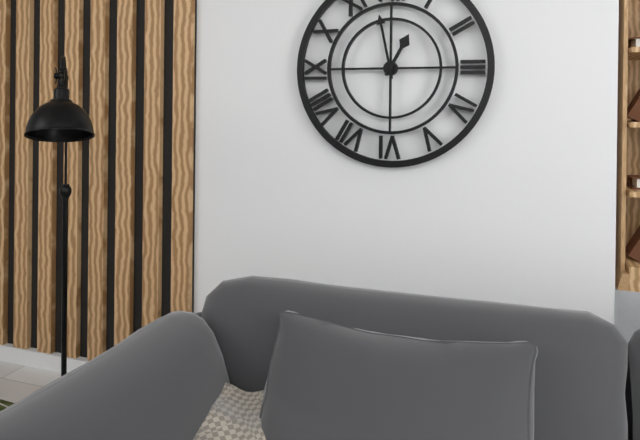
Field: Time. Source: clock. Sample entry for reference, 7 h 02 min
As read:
12 h 58 min
